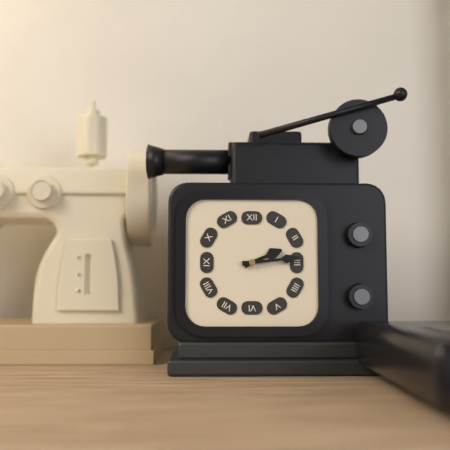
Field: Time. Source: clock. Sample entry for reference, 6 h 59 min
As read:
2 h 14 min
